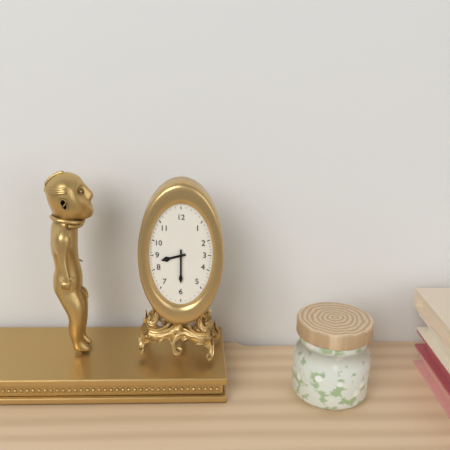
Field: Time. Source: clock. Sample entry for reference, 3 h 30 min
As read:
8 h 30 min
